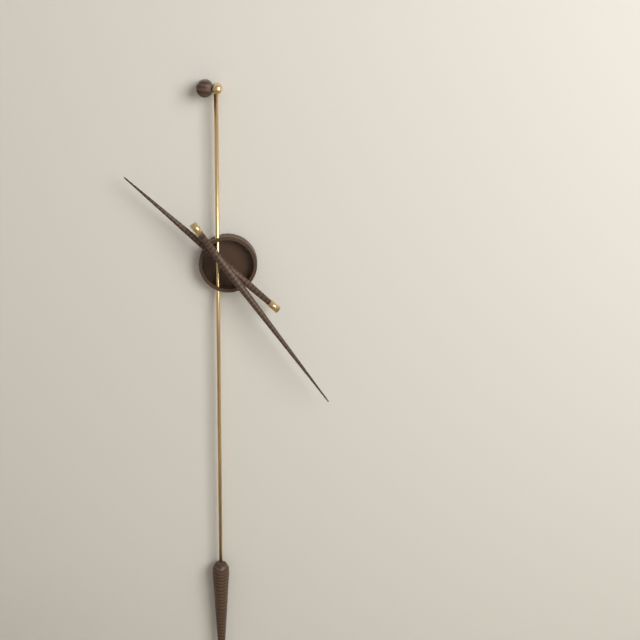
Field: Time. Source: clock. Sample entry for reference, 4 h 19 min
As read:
10 h 24 min
